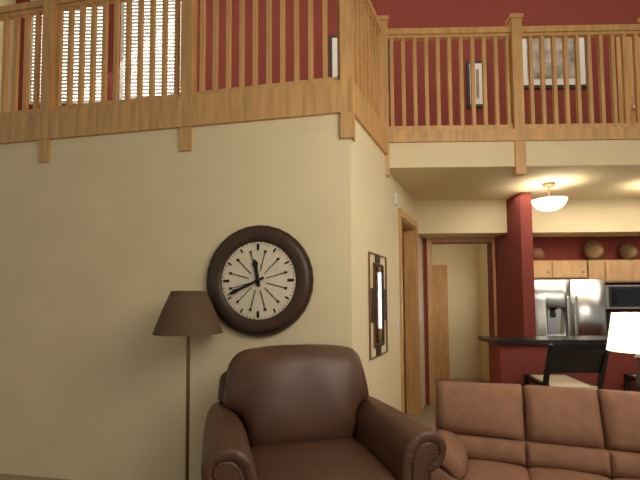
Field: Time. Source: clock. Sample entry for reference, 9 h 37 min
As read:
11 h 41 min
